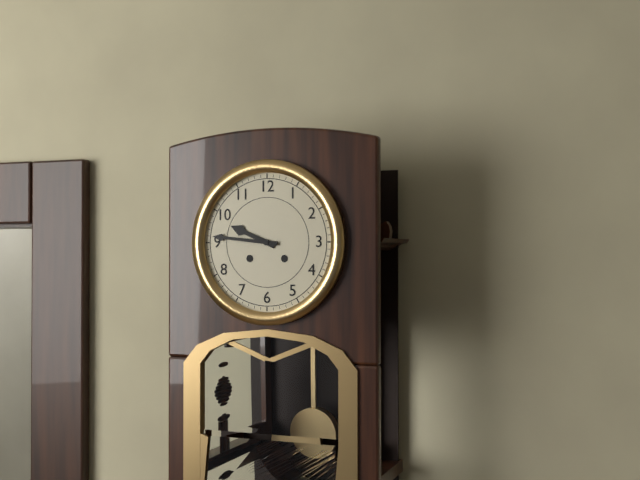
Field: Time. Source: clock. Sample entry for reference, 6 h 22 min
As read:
9 h 46 min
